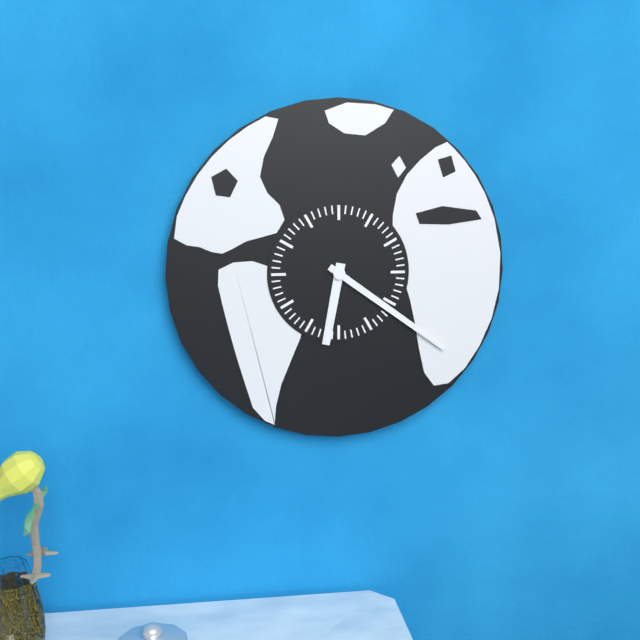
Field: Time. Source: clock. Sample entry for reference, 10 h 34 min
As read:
6 h 21 min
